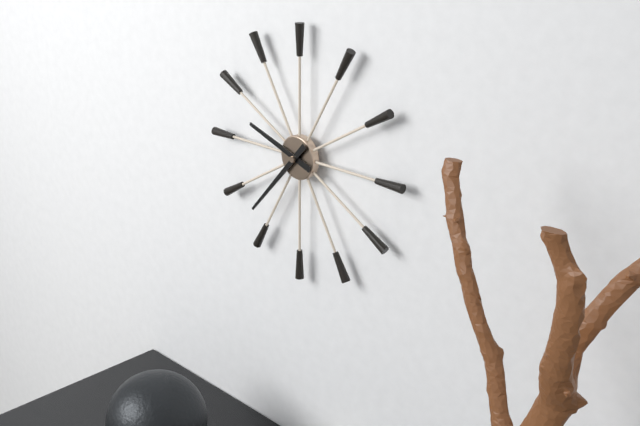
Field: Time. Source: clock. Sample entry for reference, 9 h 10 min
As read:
9 h 37 min
